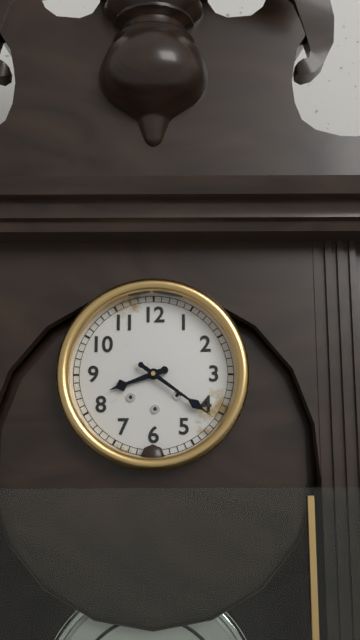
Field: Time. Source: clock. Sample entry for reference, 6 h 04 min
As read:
8 h 21 min
